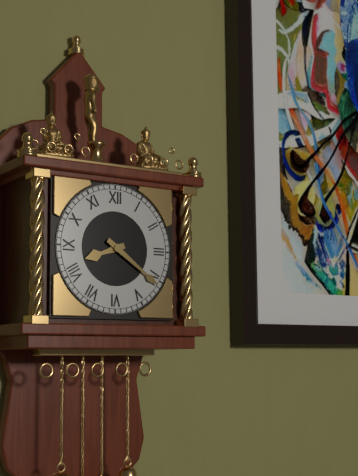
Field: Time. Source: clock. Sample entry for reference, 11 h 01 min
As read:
8 h 21 min
